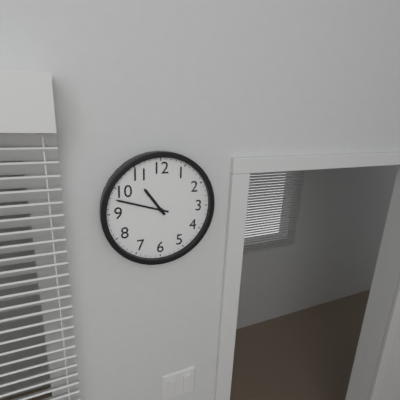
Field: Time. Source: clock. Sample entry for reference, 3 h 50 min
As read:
10 h 48 min
